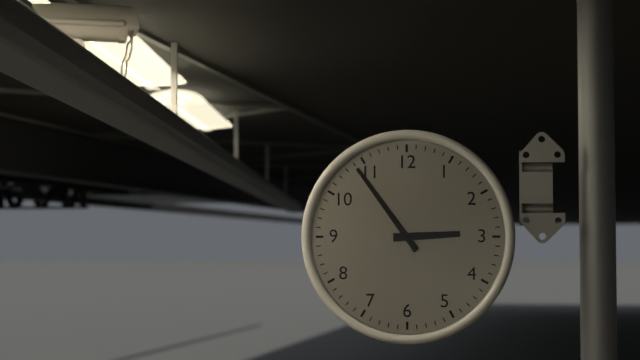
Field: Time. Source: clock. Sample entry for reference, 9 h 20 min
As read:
2 h 54 min
